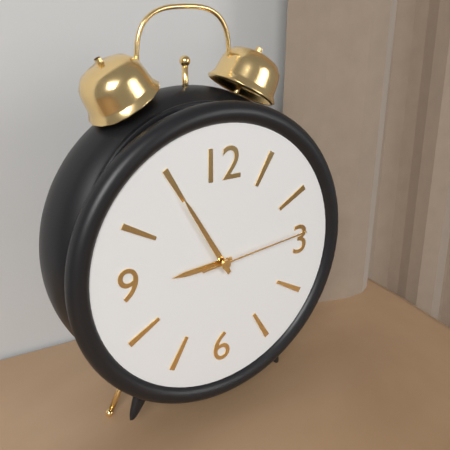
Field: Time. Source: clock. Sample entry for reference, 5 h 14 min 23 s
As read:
8 h 55 min 14 s
